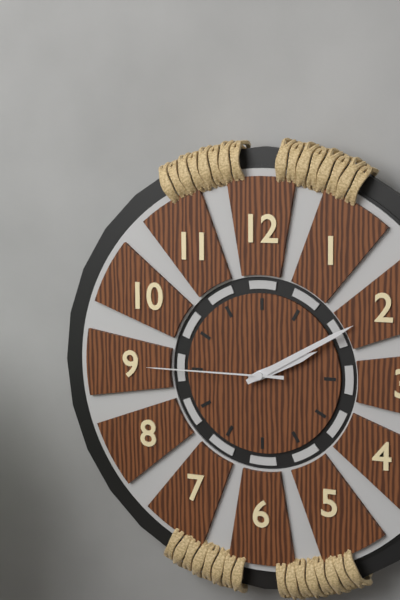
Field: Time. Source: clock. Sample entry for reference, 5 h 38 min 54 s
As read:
2 h 10 min 45 s
